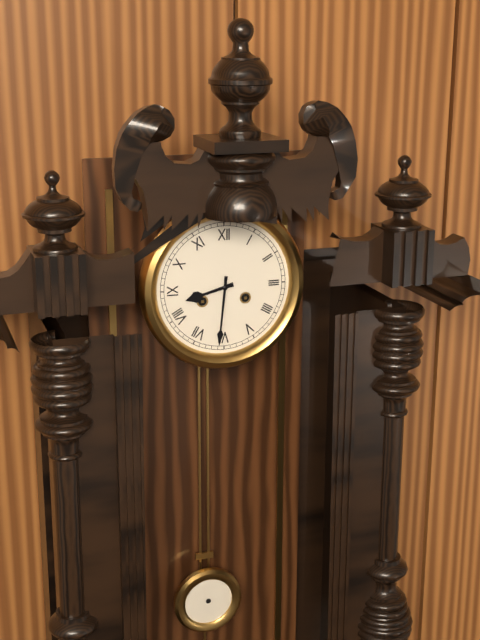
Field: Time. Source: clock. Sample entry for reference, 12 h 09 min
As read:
8 h 31 min
